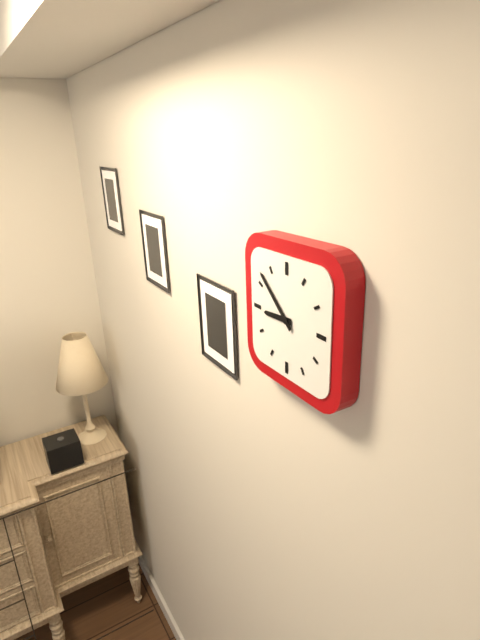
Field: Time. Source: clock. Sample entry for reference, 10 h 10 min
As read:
8 h 52 min
